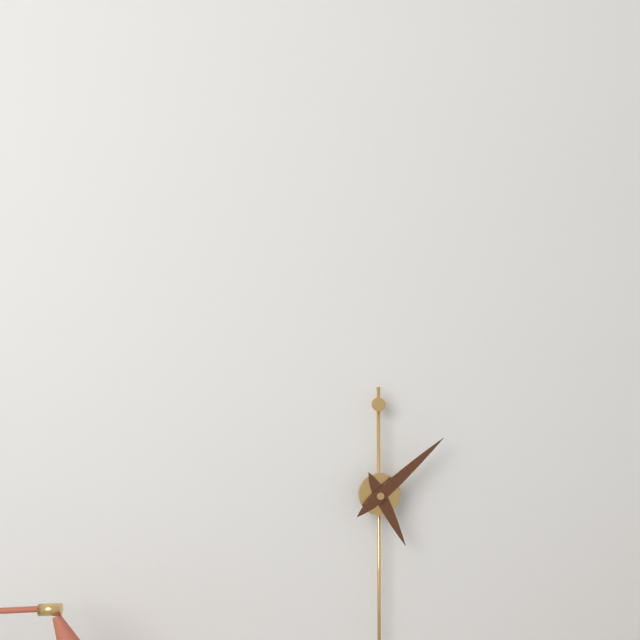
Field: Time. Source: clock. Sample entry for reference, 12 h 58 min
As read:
5 h 08 min
